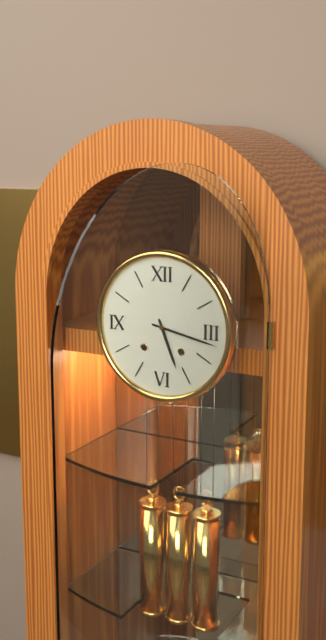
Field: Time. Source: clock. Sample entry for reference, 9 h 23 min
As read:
5 h 17 min
